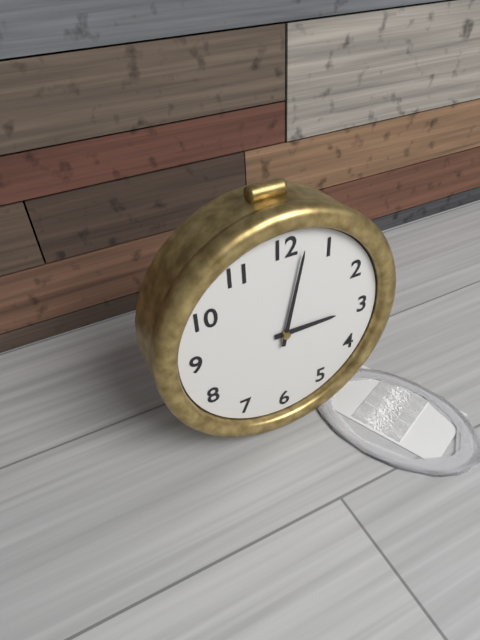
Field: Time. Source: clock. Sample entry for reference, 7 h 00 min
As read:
3 h 02 min
